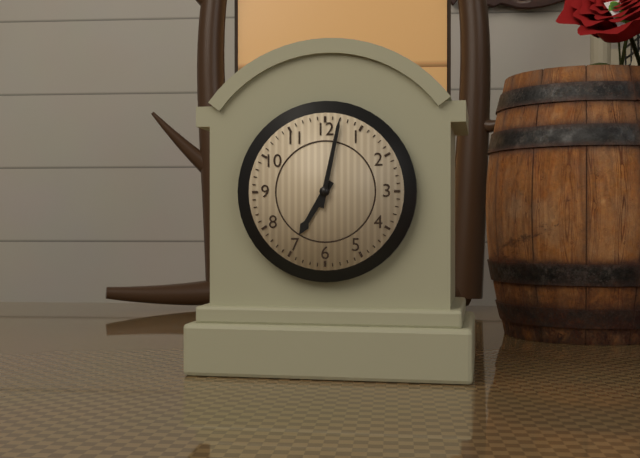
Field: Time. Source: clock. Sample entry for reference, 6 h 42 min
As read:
7 h 02 min
